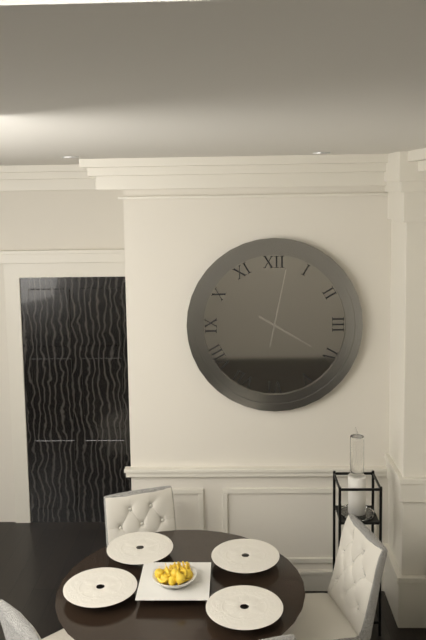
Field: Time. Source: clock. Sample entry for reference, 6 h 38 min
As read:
4 h 02 min
